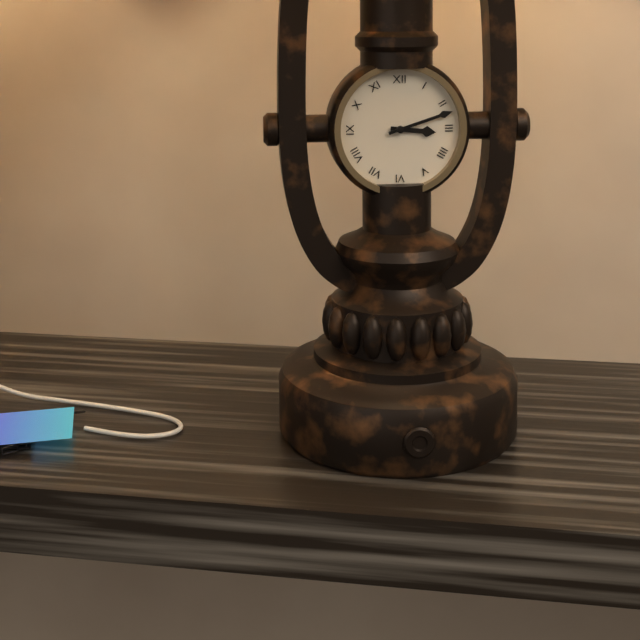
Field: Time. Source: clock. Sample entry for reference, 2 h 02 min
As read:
3 h 12 min
